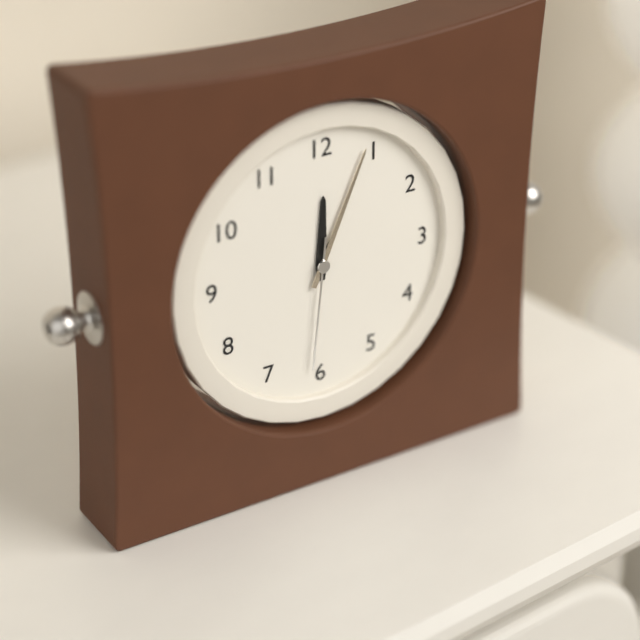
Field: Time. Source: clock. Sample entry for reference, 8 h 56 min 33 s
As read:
12 h 04 min 31 s
